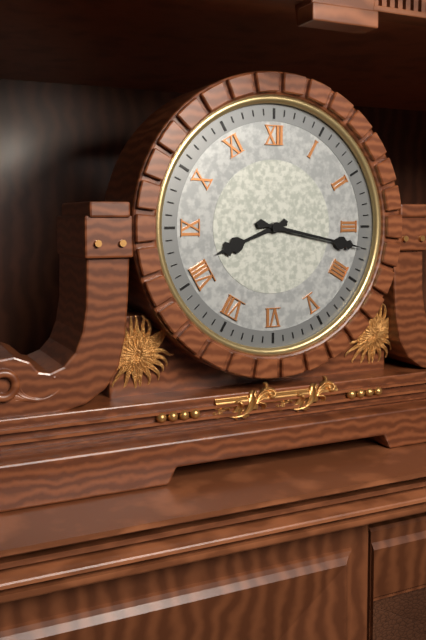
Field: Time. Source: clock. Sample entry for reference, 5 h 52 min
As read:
8 h 17 min
